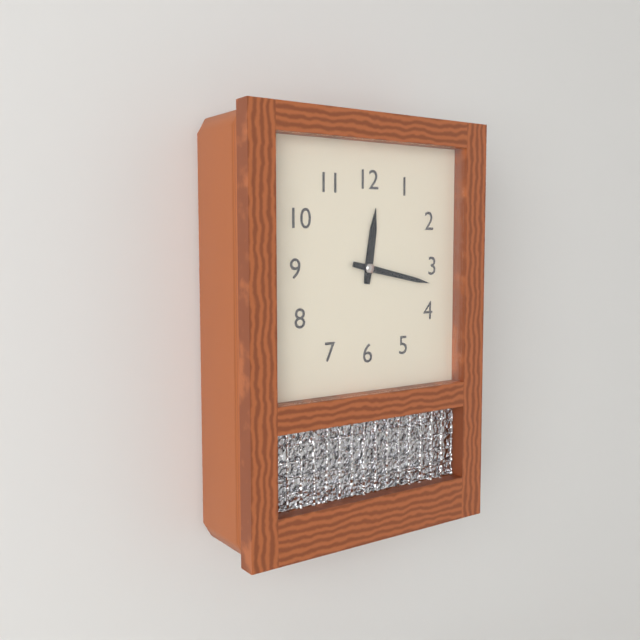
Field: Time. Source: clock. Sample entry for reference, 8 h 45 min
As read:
12 h 17 min
